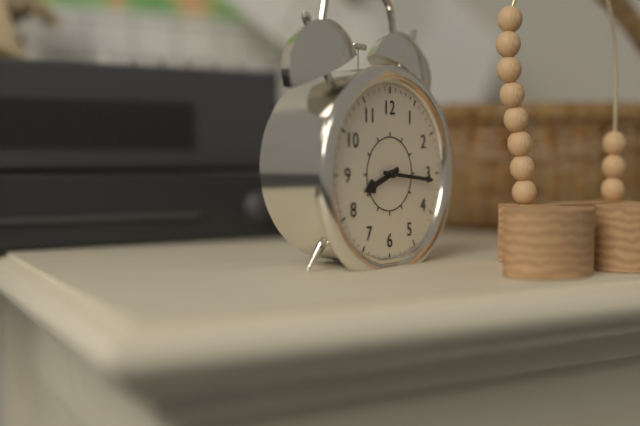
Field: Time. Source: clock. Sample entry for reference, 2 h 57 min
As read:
8 h 16 min
